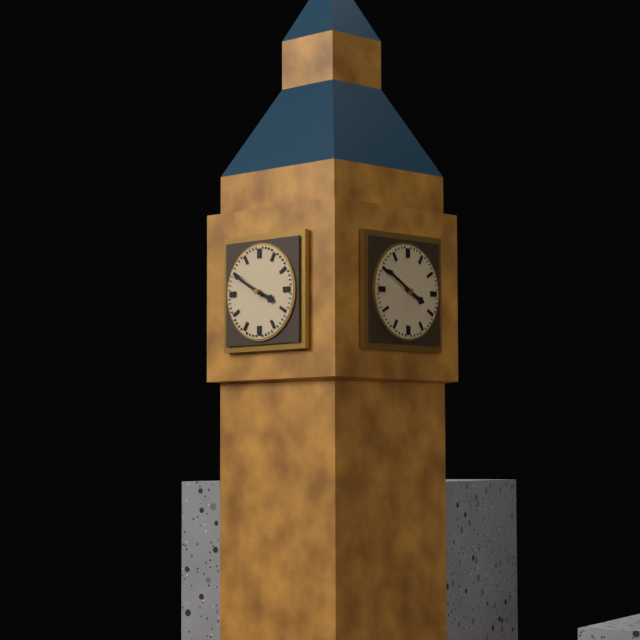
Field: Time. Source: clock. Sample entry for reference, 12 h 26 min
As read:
3 h 50 min
